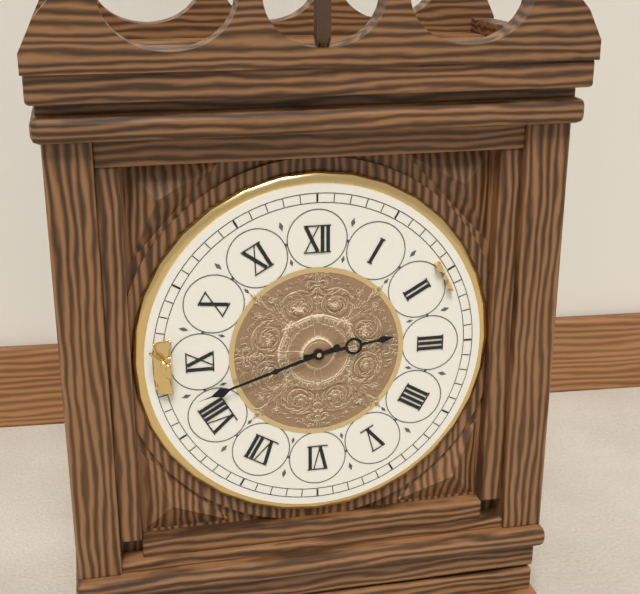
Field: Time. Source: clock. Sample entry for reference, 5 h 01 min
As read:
2 h 42 min
